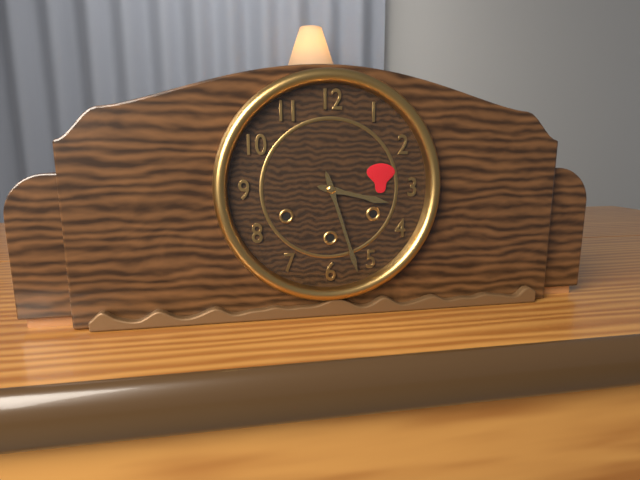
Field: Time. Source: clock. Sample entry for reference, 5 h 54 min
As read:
3 h 27 min
